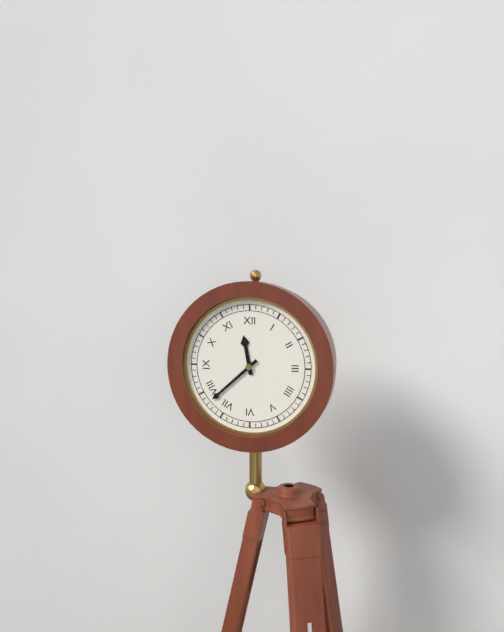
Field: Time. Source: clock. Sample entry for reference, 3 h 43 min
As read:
11 h 38 min
